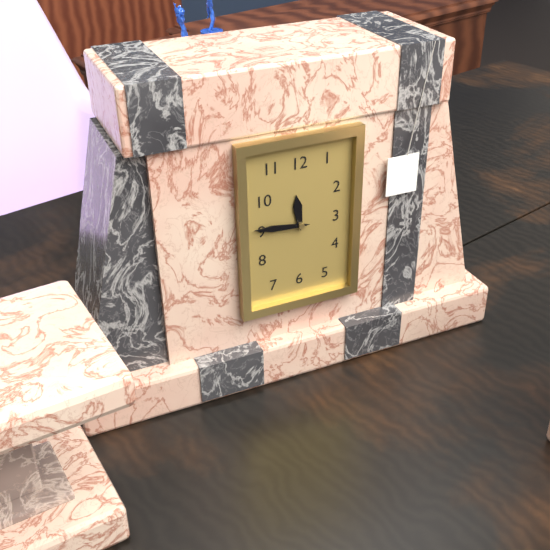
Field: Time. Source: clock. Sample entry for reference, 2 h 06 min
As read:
11 h 46 min
